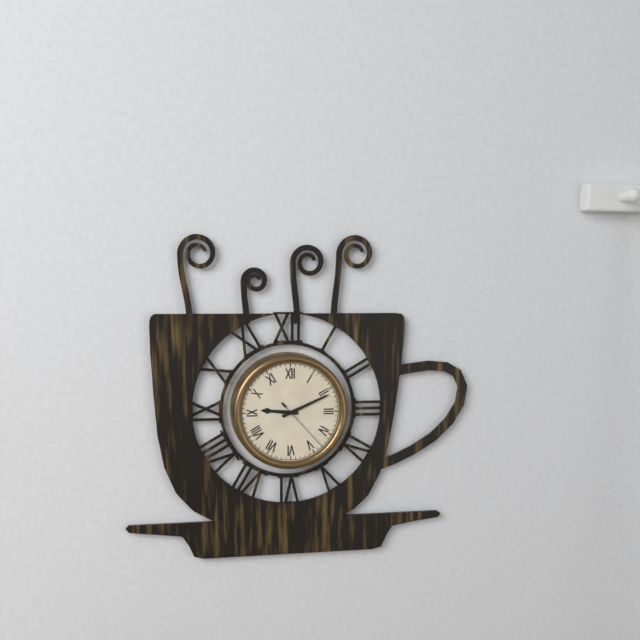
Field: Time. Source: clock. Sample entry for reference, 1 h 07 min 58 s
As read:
9 h 11 min 23 s
